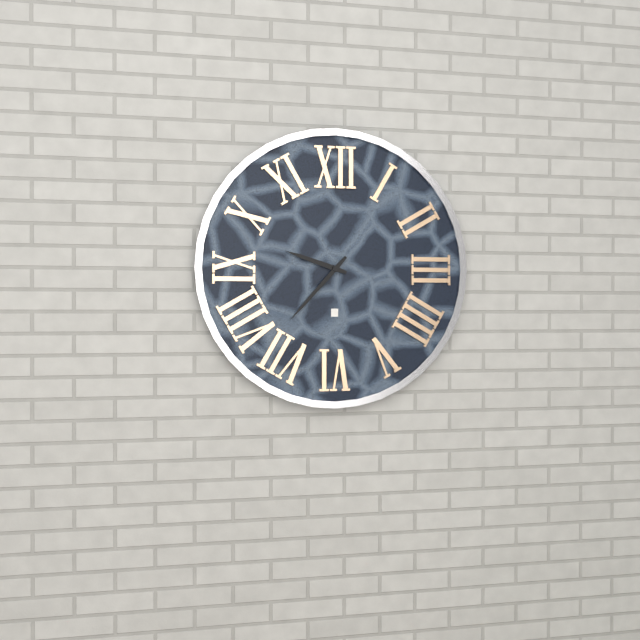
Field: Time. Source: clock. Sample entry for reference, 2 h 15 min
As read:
9 h 37 min
